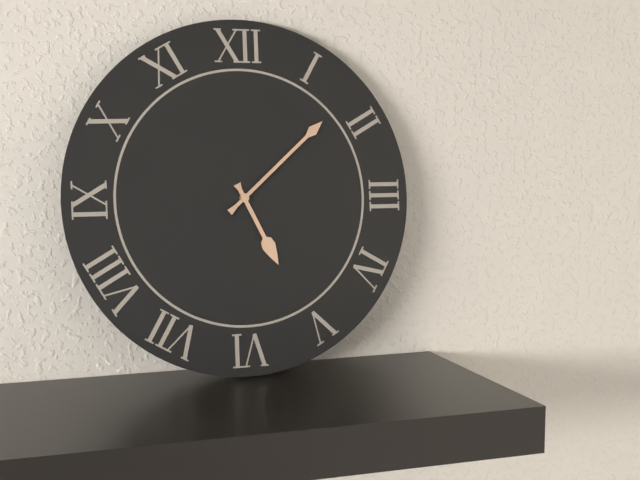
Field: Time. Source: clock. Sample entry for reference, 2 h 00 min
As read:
5 h 08 min
